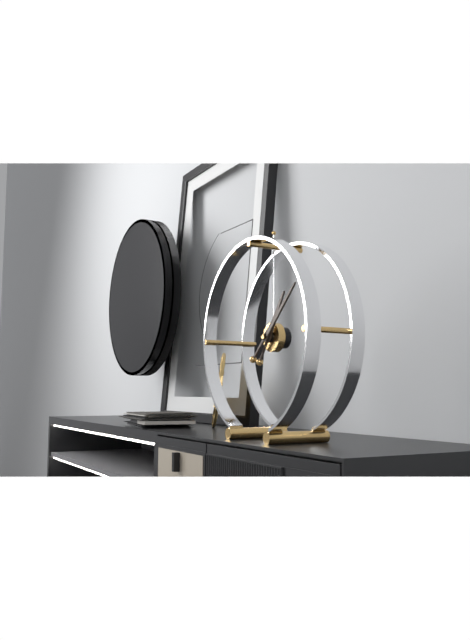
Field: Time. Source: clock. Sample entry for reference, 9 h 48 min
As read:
1 h 08 min
